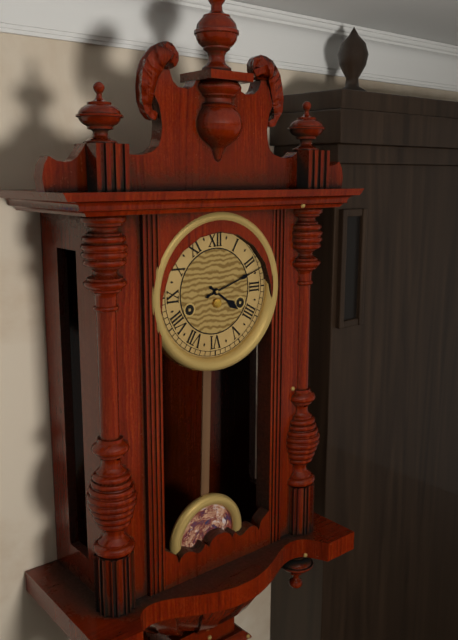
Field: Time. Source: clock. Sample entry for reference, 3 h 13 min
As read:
4 h 12 min
